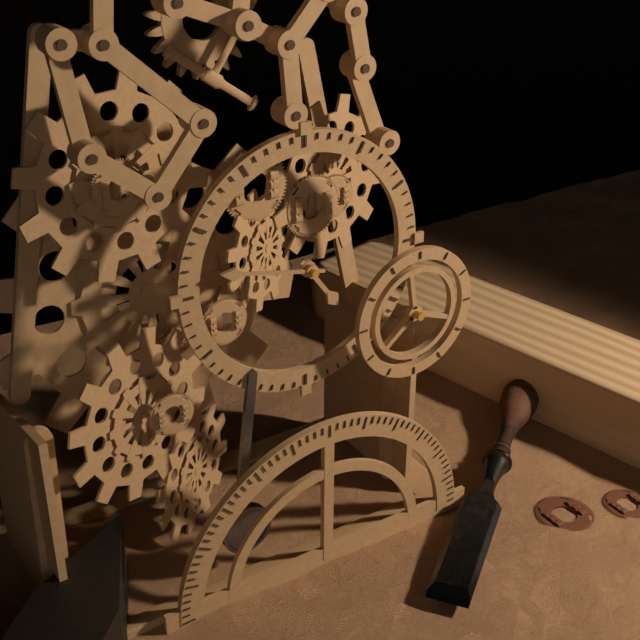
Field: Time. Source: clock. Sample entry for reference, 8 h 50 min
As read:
4 h 47 min
